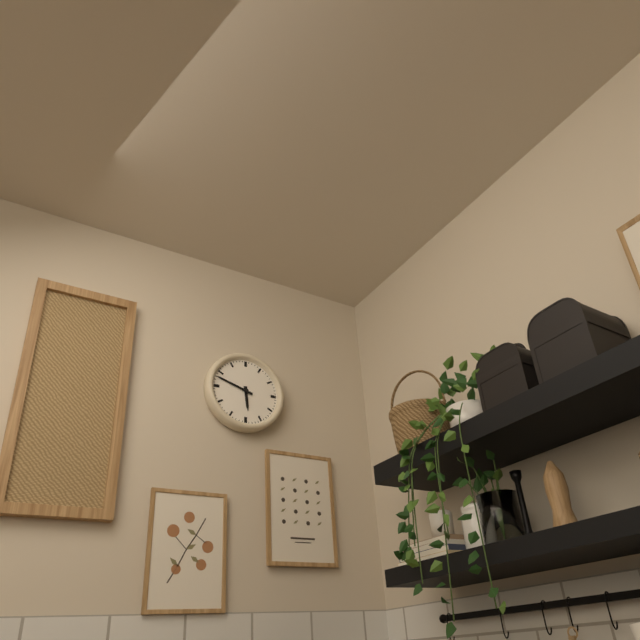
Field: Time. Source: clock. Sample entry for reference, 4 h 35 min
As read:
5 h 48 min
